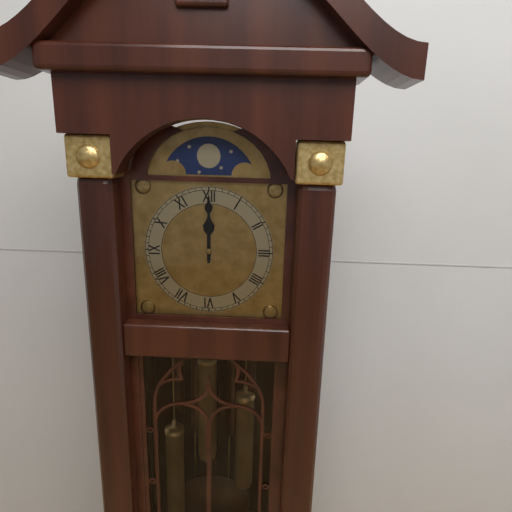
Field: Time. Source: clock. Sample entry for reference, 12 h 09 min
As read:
12 h 00 min
